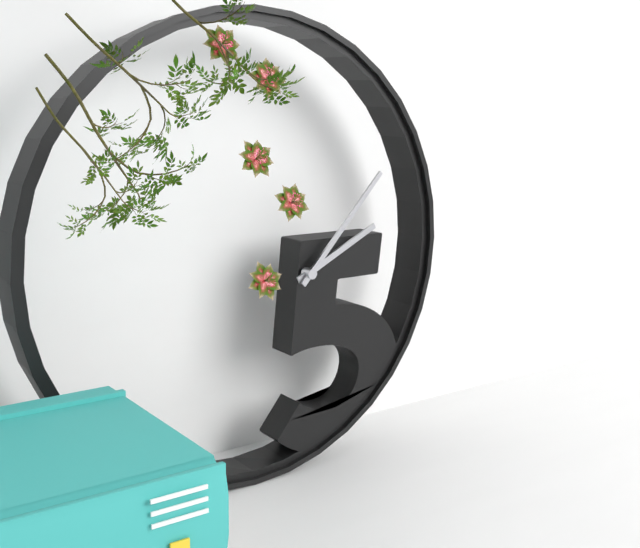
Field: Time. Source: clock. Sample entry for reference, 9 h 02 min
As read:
2 h 07 min
